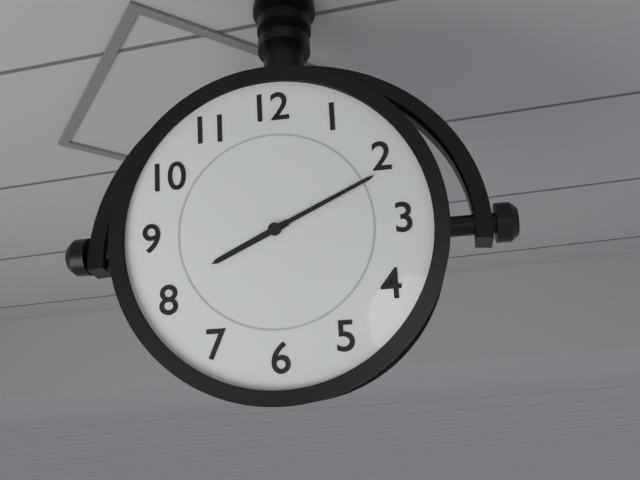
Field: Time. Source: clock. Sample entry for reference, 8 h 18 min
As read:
8 h 11 min
